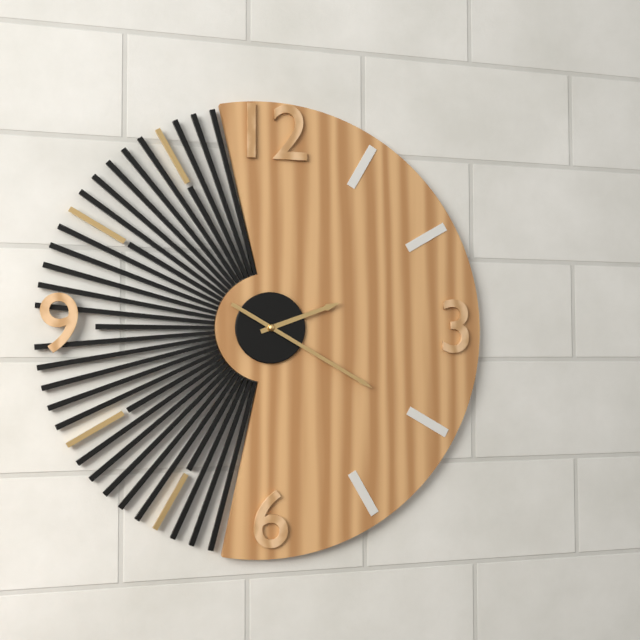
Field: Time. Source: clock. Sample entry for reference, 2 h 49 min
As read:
2 h 20 min
